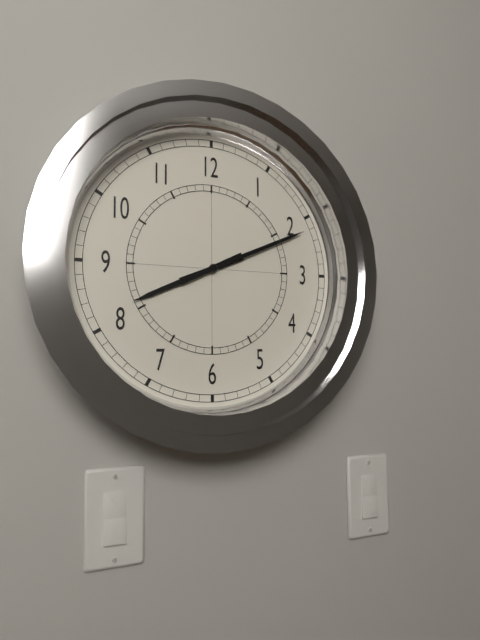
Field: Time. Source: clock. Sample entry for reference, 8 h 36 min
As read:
8 h 11 min
